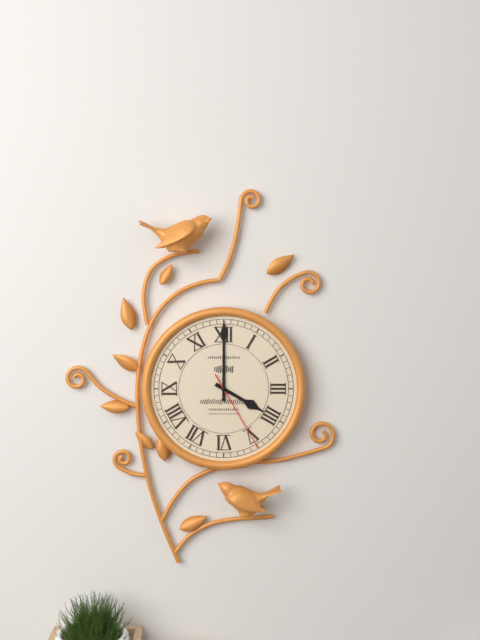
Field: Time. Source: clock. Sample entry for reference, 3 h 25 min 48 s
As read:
4 h 00 min 25 s
